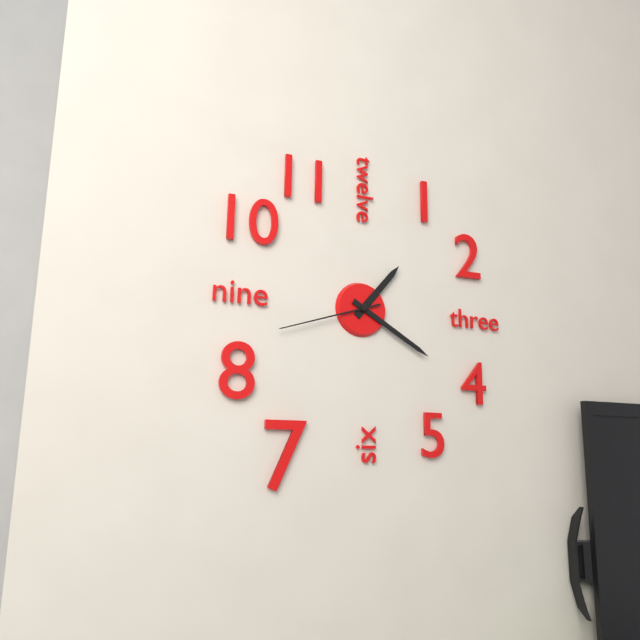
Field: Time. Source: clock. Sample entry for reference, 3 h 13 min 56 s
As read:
1 h 20 min 42 s
